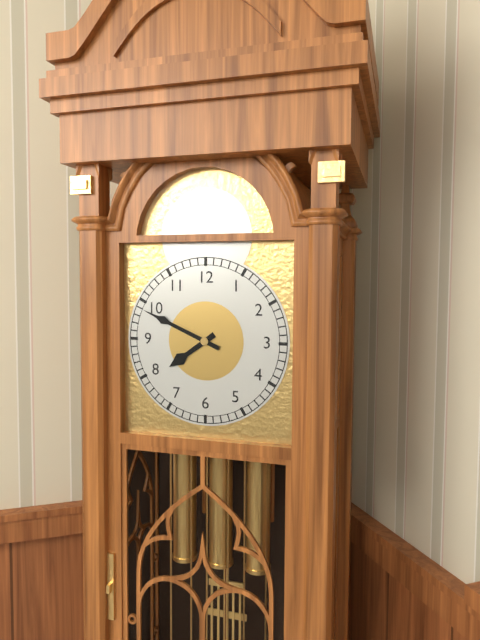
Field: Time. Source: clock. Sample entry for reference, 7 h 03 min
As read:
7 h 49 min
